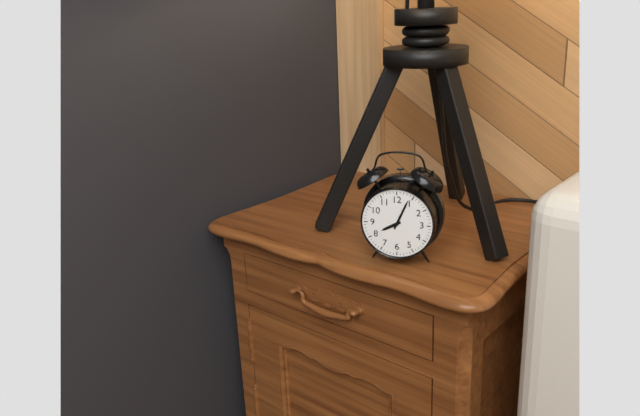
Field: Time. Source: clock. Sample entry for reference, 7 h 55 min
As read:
8 h 04 min
